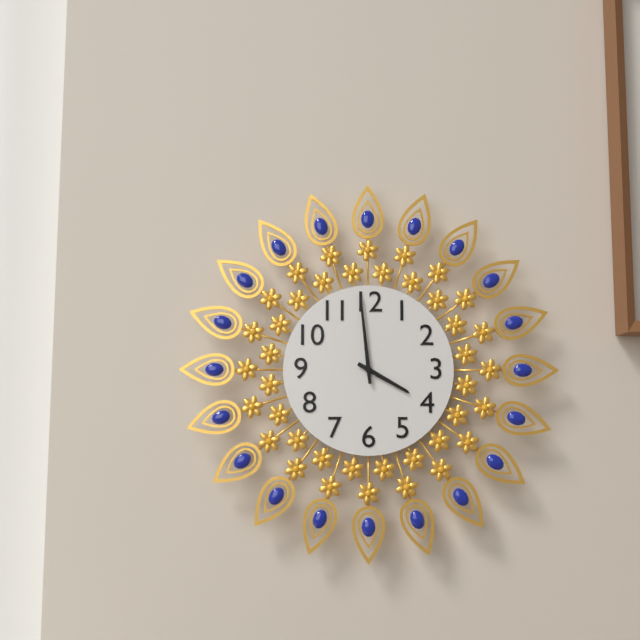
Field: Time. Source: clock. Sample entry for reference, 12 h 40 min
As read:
3 h 59 min
